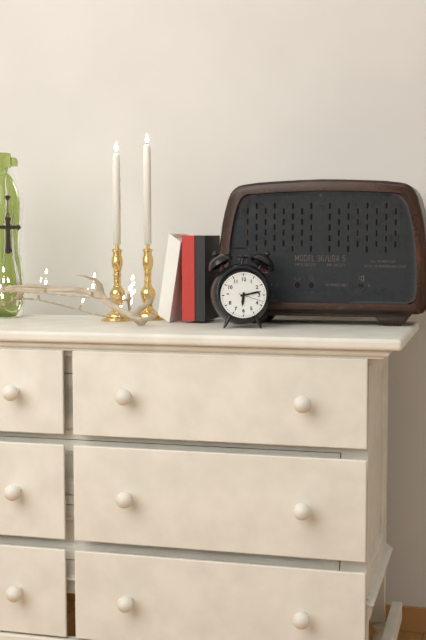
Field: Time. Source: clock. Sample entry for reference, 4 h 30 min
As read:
6 h 13 min
